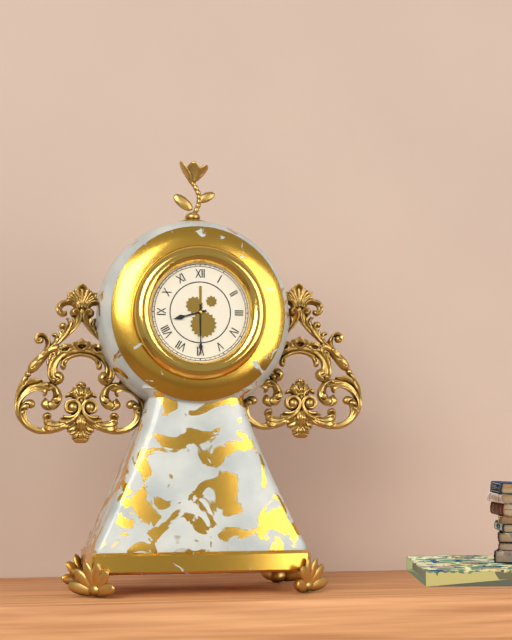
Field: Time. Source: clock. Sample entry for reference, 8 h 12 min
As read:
8 h 30 min
